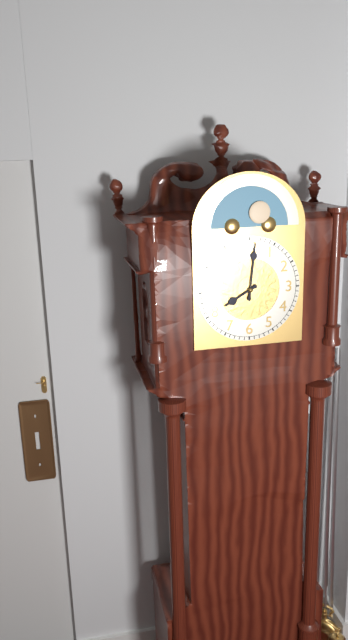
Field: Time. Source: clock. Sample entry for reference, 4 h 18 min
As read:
8 h 01 min
